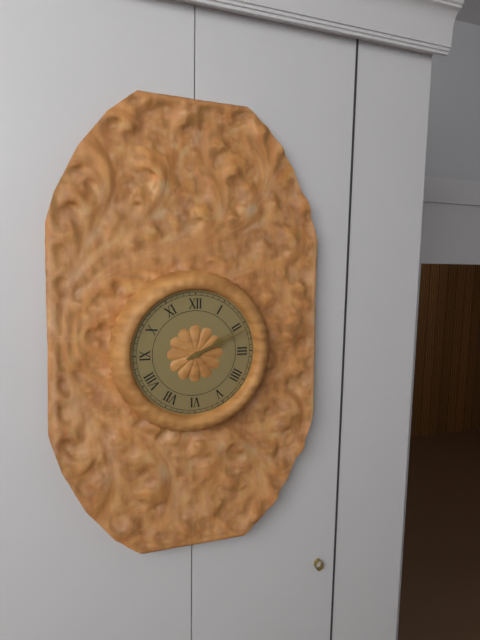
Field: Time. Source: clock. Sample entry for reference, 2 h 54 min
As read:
2 h 11 min
